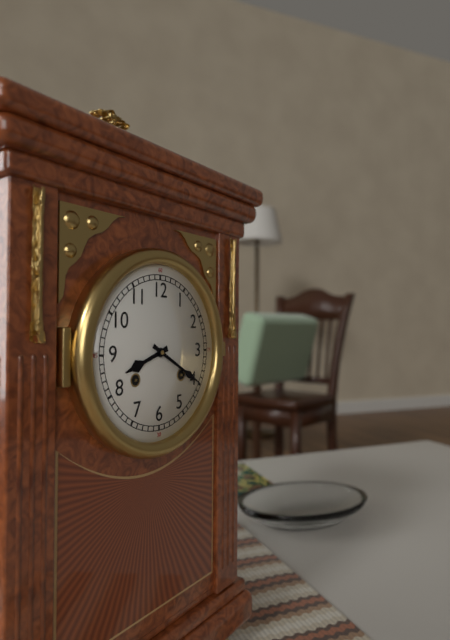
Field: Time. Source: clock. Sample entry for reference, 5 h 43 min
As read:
8 h 20 min
